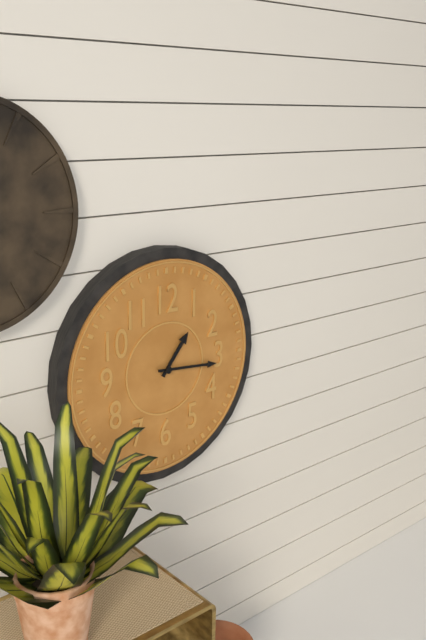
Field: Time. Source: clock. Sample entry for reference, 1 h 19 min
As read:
1 h 16 min
